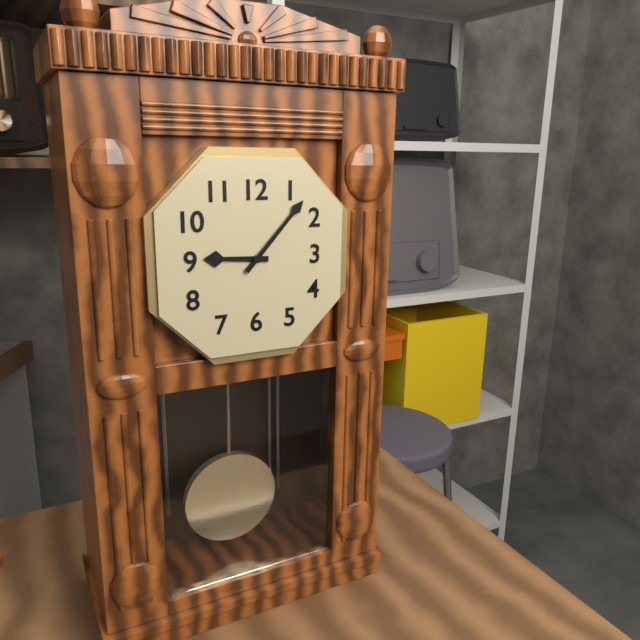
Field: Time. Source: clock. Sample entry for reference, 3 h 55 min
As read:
9 h 07 min
